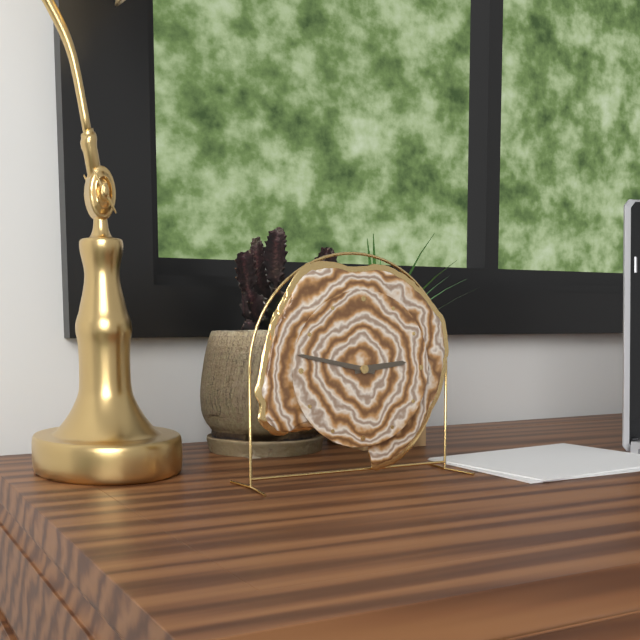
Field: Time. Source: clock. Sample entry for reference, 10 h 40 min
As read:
2 h 47 min
